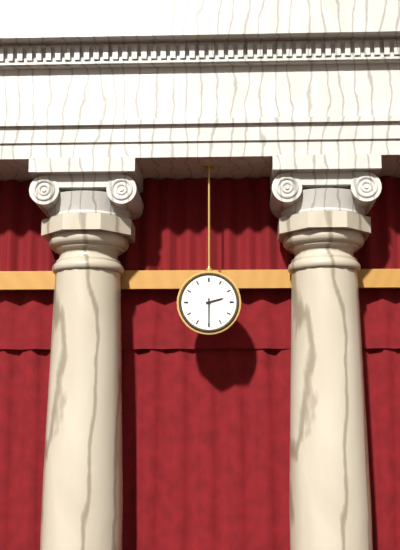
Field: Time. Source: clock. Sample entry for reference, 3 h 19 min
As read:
2 h 30 min
